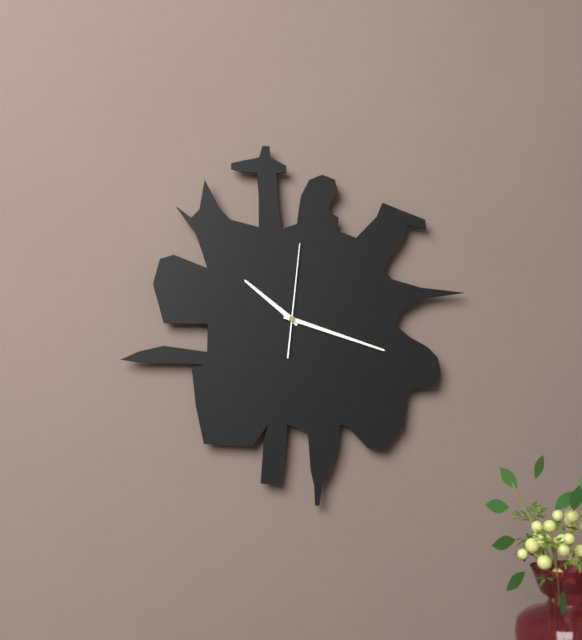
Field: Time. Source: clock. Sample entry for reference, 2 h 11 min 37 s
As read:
10 h 18 min 01 s
